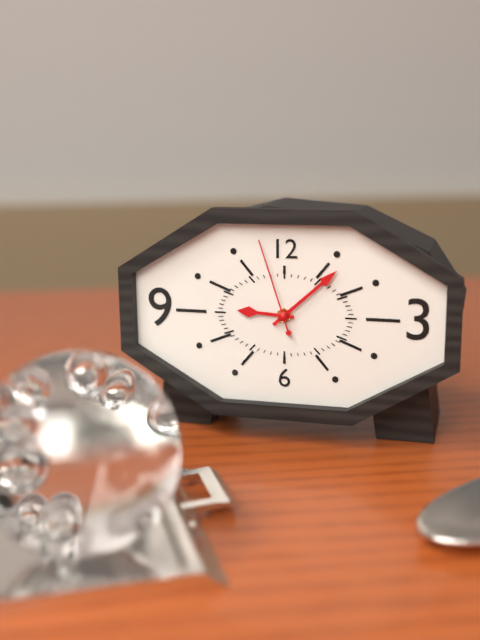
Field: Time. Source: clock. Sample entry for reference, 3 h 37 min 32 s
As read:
9 h 08 min 57 s
